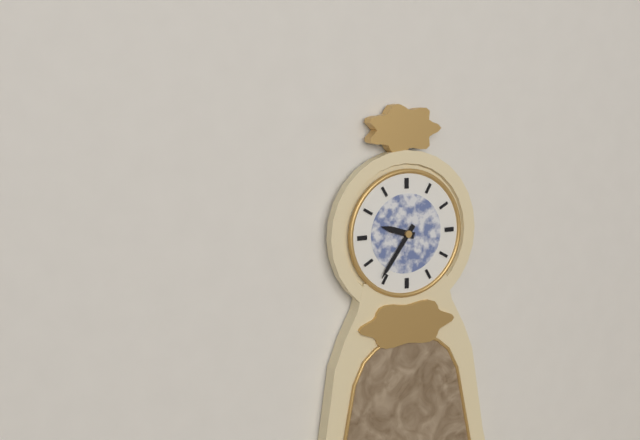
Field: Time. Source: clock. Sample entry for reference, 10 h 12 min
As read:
9 h 36 min
